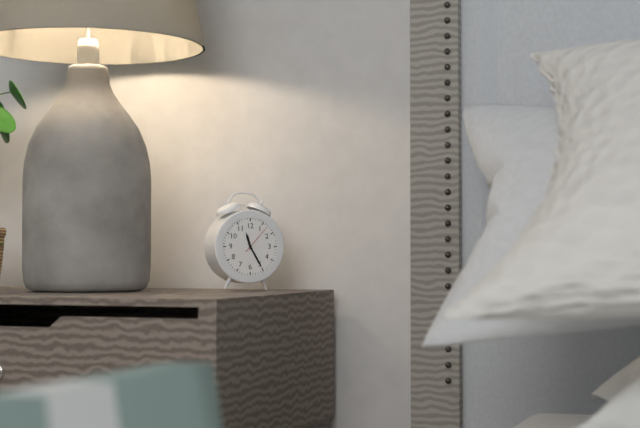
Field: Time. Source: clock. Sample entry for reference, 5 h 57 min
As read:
11 h 25 min
